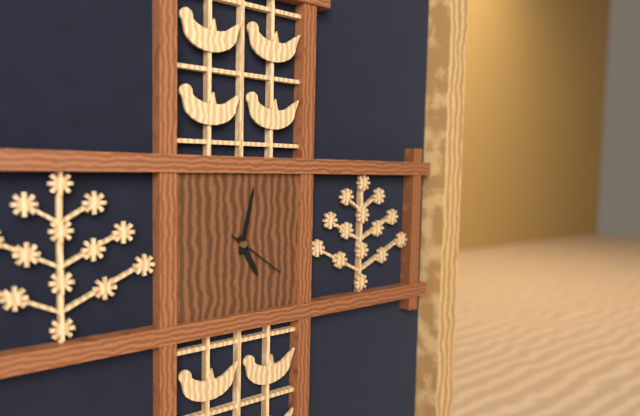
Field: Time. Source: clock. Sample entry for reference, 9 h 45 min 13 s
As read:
5 h 02 min 21 s
